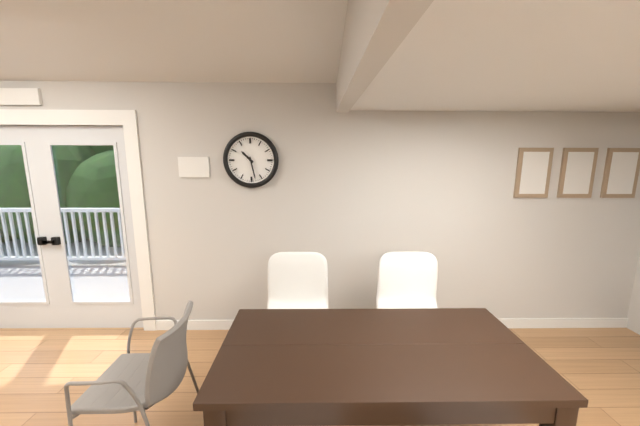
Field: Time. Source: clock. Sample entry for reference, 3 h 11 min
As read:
10 h 28 min
